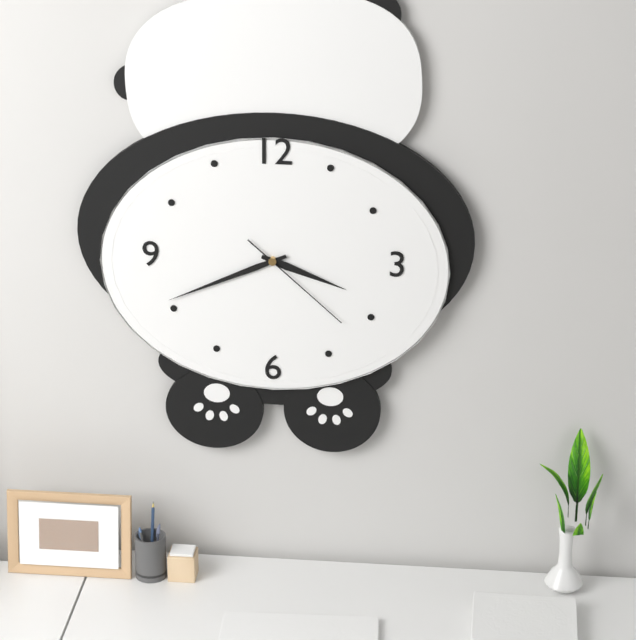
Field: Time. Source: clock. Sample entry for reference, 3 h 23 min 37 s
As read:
3 h 41 min 22 s
